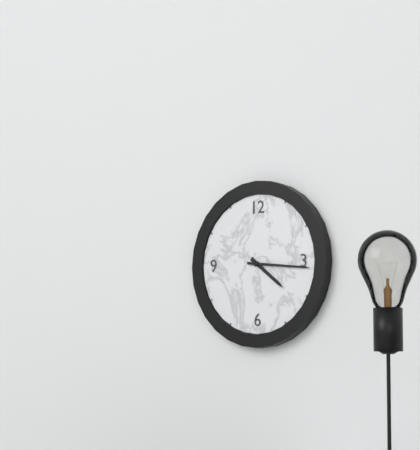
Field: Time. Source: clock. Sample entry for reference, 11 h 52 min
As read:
4 h 16 min
